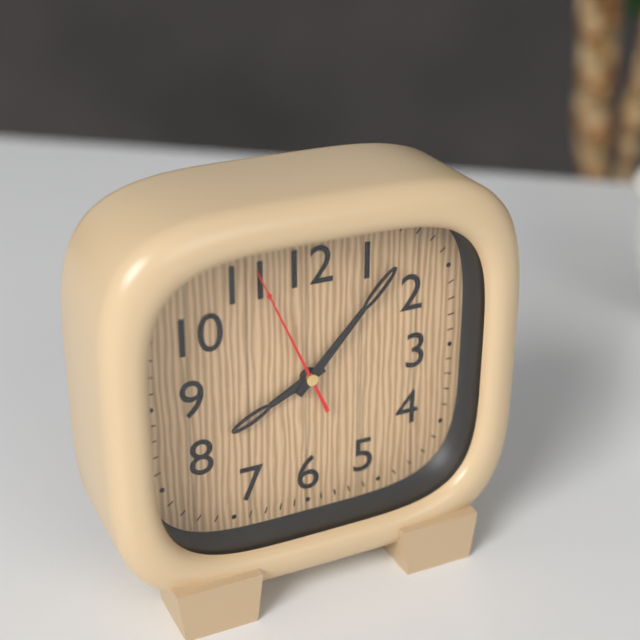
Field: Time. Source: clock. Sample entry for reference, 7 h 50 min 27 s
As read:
8 h 07 min 56 s
